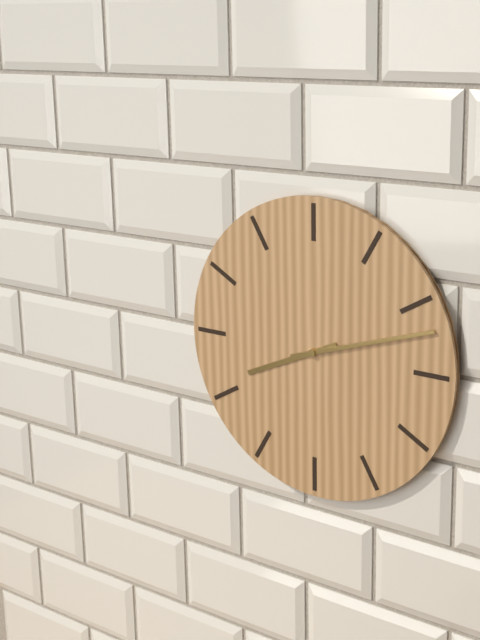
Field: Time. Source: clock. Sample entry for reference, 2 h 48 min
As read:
8 h 12 min
